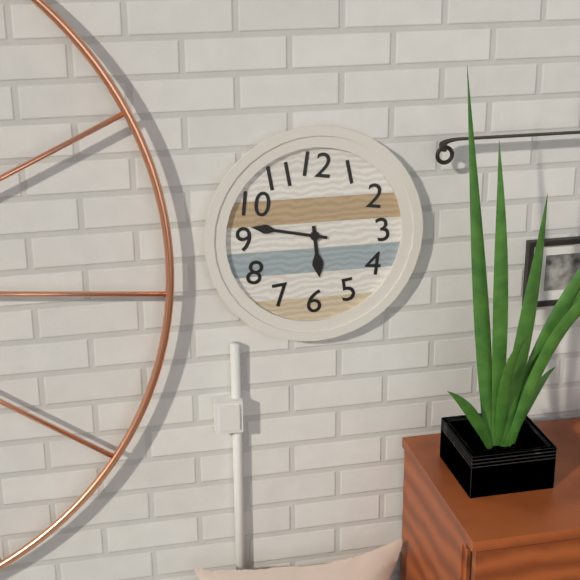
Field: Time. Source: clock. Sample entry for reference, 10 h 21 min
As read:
5 h 47 min
